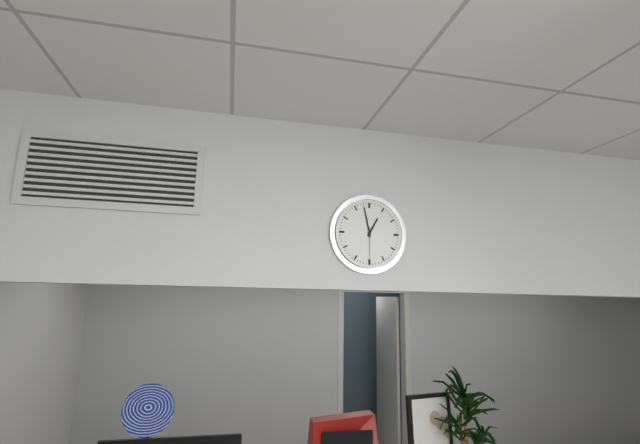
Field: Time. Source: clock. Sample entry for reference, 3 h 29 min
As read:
12 h 58 min
